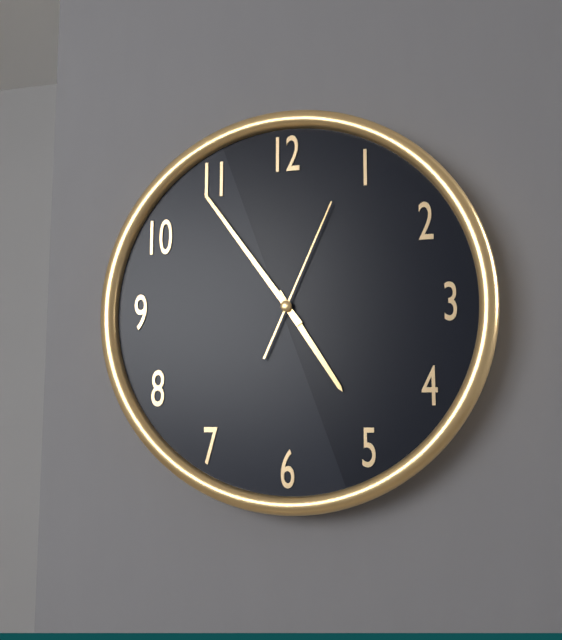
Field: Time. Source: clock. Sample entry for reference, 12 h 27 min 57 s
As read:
4 h 54 min 04 s
